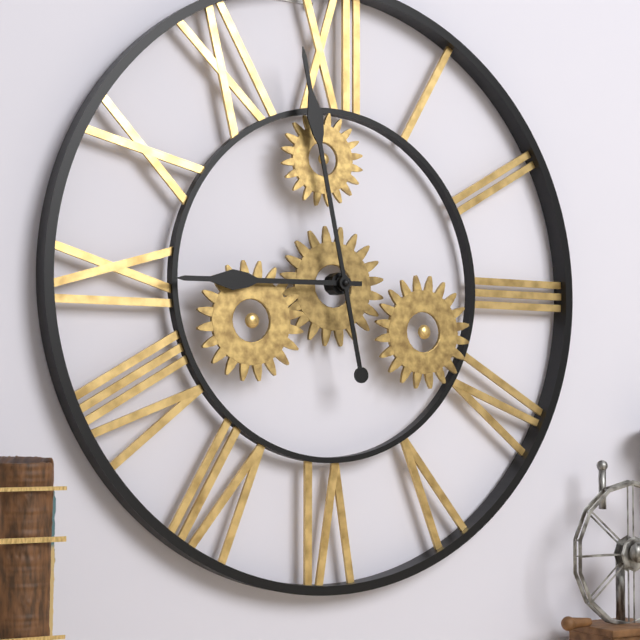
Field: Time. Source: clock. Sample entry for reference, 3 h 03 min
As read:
8 h 58 min
